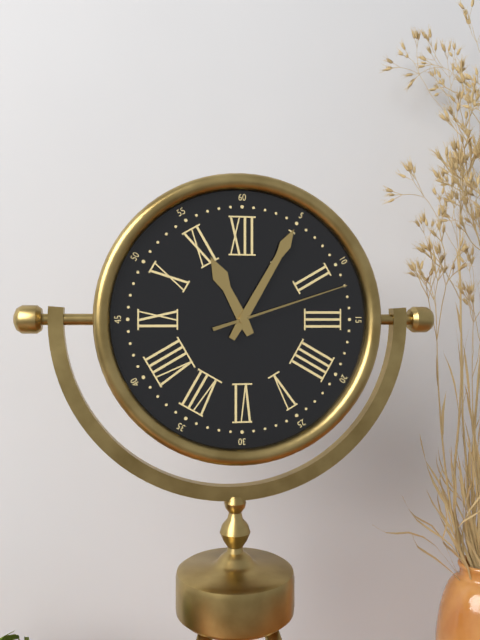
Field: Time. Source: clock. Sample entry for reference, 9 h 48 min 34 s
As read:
11 h 05 min 12 s
